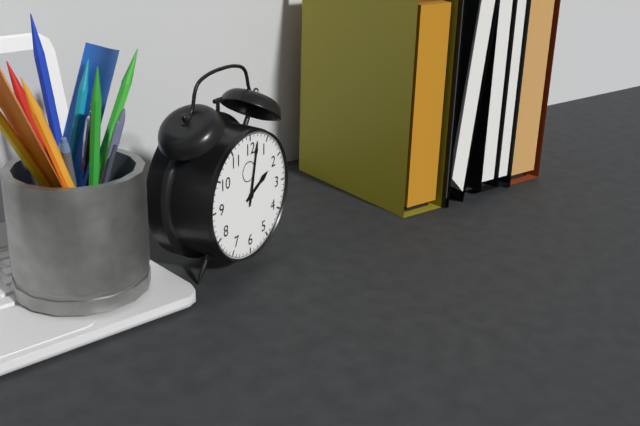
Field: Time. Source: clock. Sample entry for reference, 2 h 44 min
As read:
2 h 02 min
